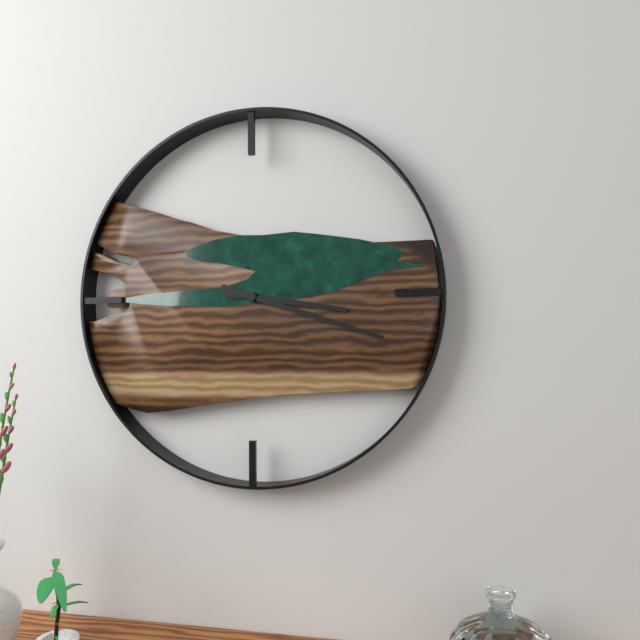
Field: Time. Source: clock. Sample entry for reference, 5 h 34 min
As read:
3 h 18 min
